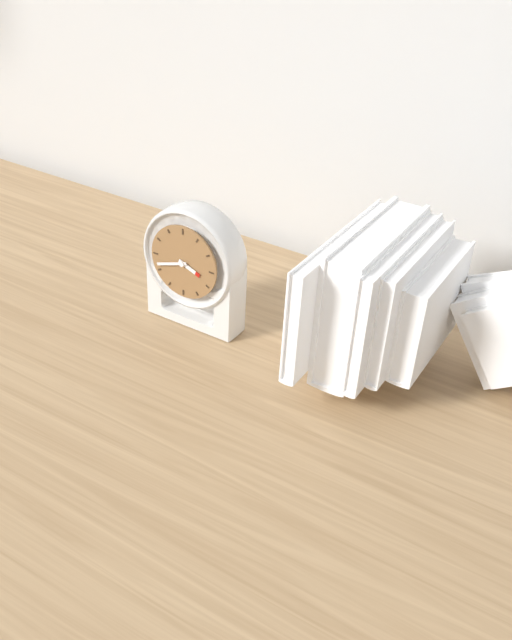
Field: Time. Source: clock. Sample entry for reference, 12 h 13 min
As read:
3 h 42 min
